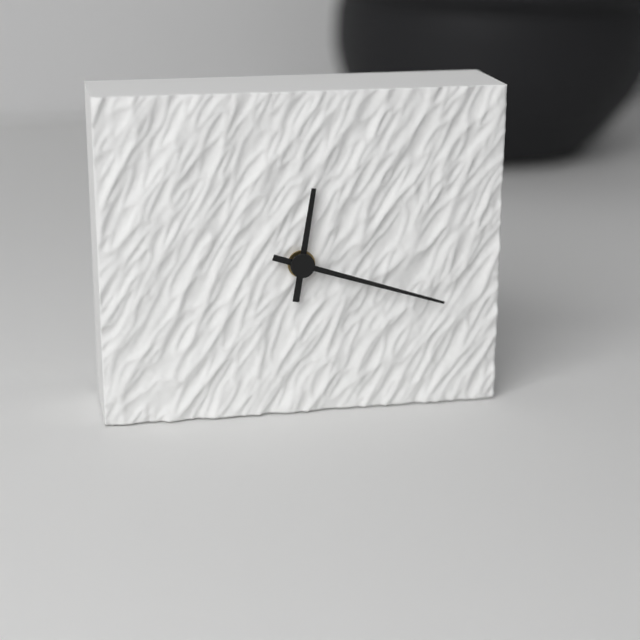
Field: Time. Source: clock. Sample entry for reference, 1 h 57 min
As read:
12 h 18 min
